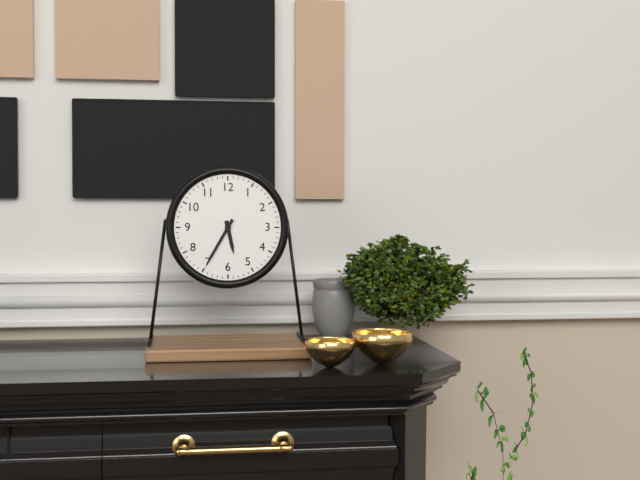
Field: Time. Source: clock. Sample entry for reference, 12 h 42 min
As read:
5 h 35 min
